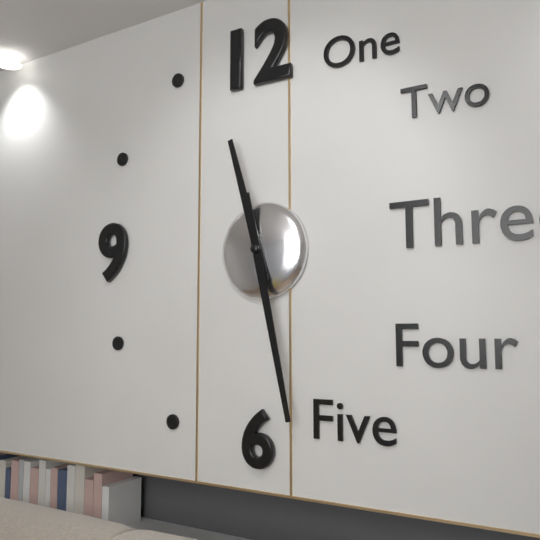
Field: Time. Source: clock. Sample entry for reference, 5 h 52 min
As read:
11 h 28 min
